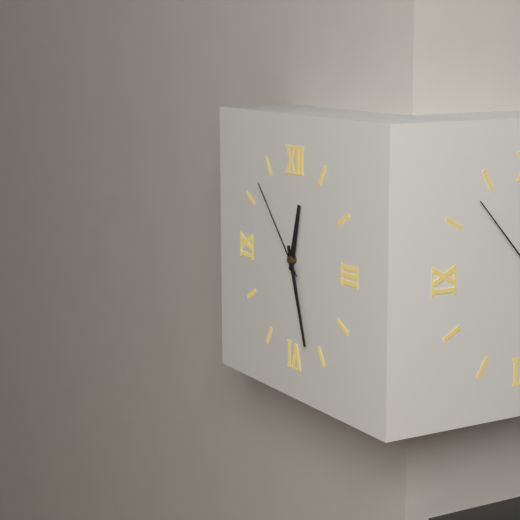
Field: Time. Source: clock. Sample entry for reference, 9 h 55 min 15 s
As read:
12 h 27 min 53 s
